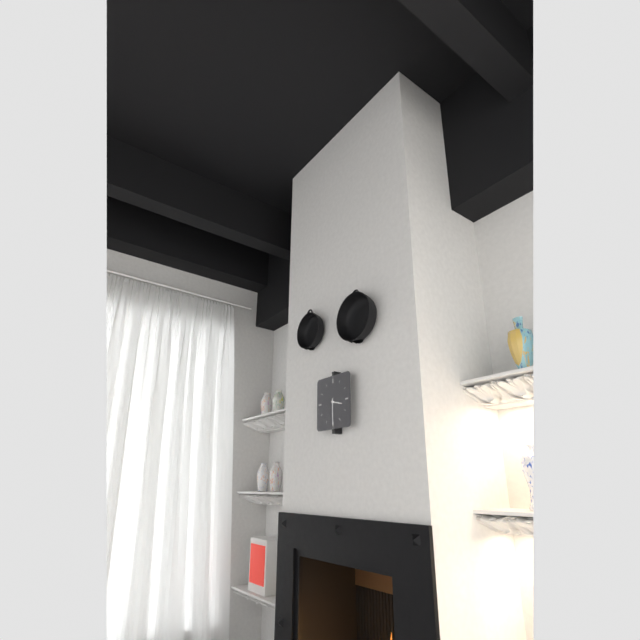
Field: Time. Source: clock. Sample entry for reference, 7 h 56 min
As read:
3 h 30 min
